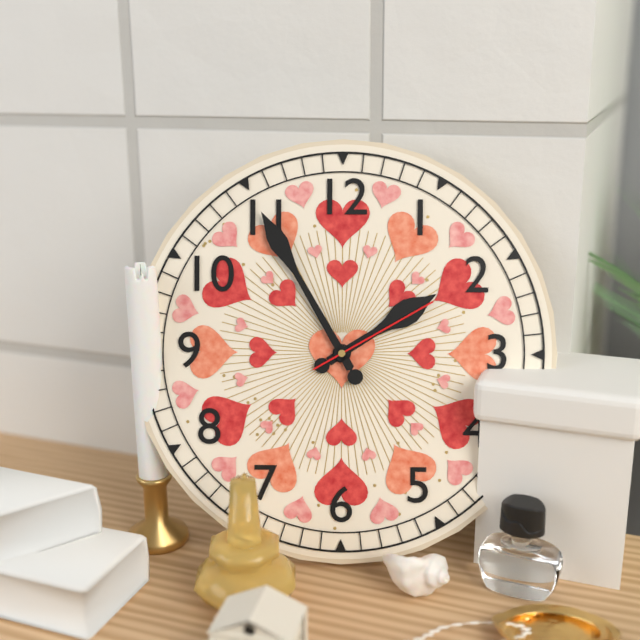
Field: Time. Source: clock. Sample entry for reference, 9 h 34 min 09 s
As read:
1 h 55 min 10 s
